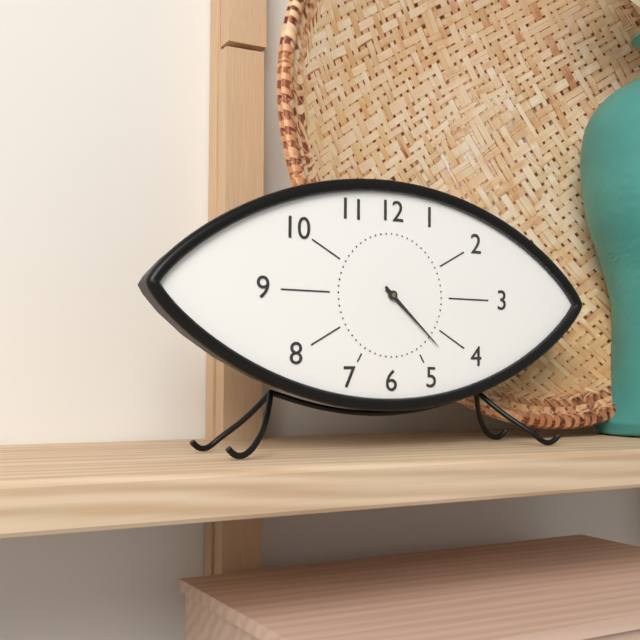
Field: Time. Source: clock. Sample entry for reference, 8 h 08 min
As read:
4 h 22 min
